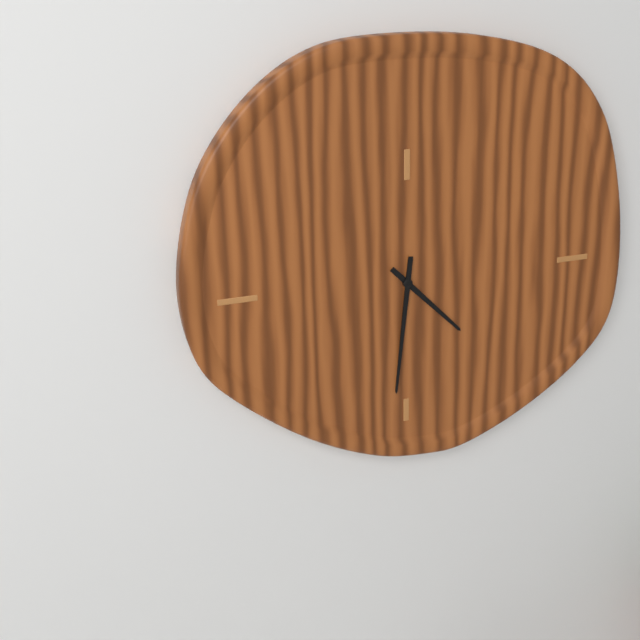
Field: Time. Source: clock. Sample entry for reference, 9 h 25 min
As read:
4 h 31 min
